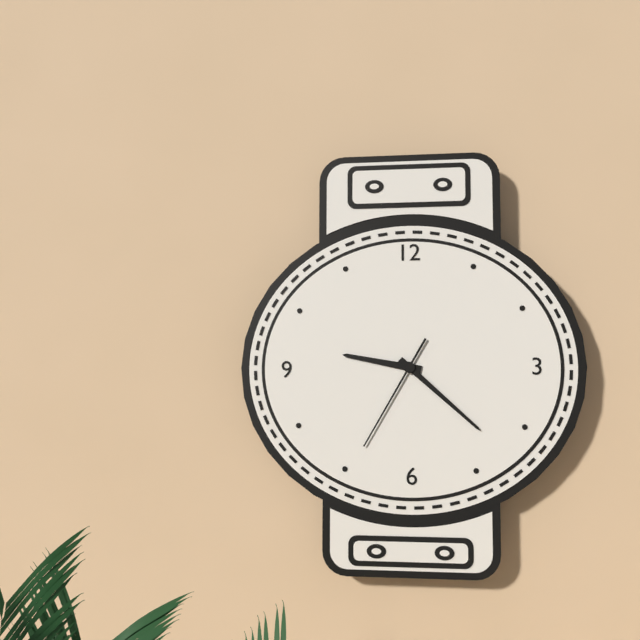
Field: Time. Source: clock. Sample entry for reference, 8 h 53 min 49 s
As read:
9 h 22 min 35 s
